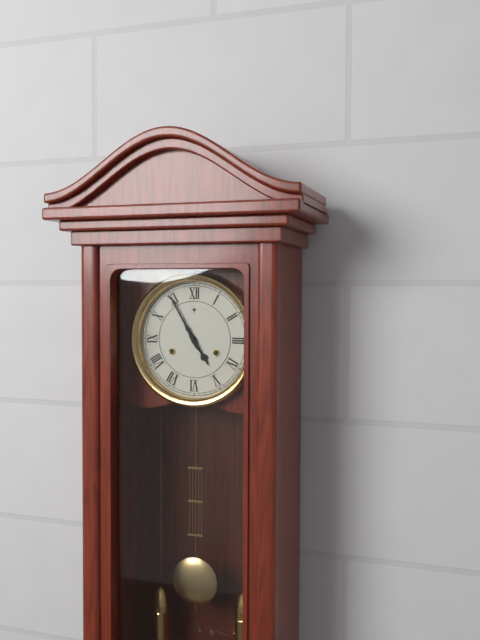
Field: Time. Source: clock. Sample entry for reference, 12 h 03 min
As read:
4 h 55 min
